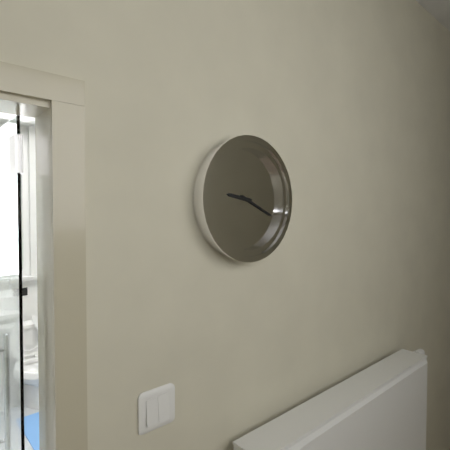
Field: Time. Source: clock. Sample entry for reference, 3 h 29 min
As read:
9 h 19 min
